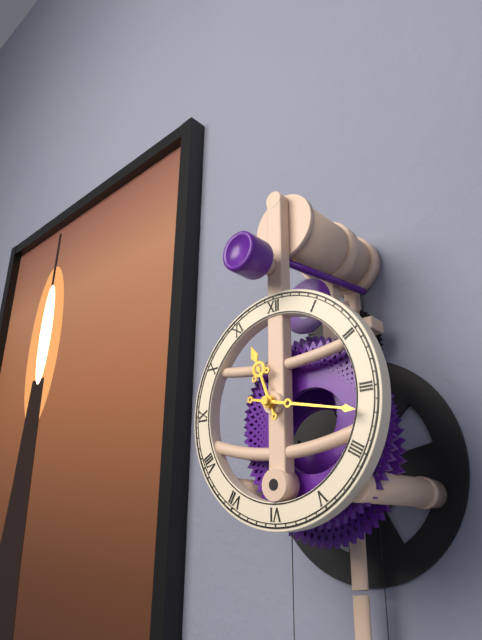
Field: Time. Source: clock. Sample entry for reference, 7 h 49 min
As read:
11 h 17 min
